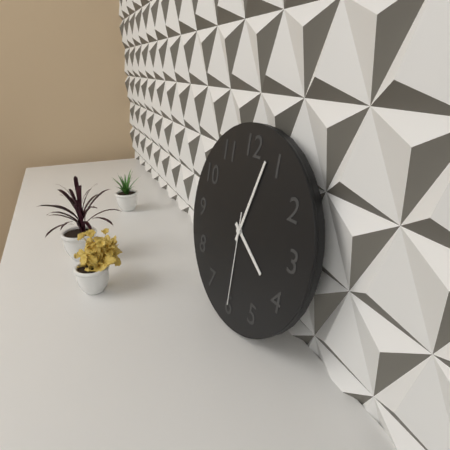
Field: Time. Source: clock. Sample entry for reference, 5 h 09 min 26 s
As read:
4 h 03 min 30 s
